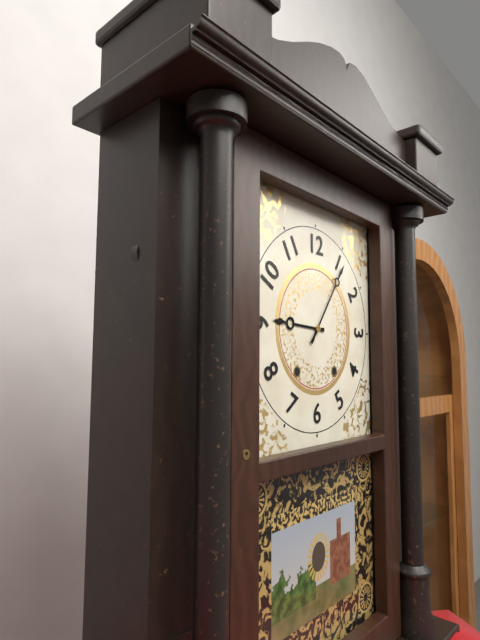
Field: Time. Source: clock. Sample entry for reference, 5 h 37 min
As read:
9 h 06 min
